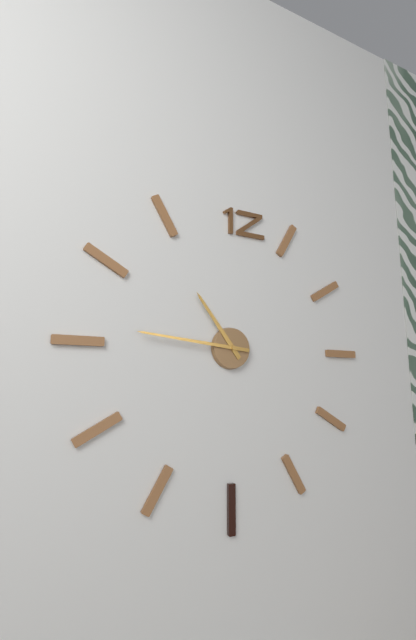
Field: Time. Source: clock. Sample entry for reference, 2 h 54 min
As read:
10 h 46 min
